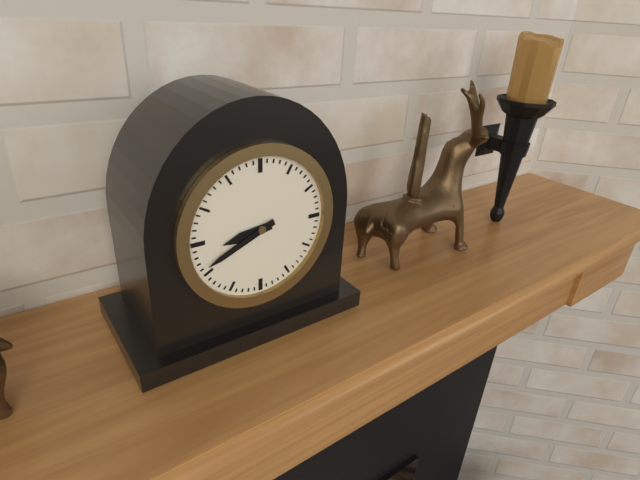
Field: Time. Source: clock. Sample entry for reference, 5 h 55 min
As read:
8 h 41 min
